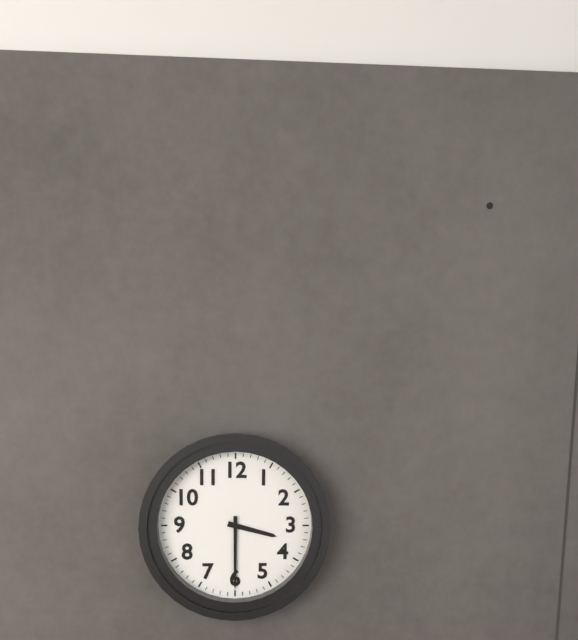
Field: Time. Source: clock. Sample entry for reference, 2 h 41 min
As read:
3 h 30 min
